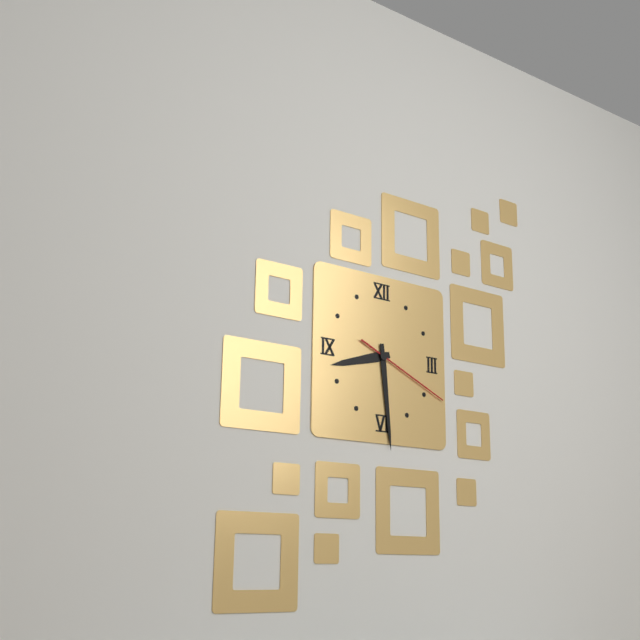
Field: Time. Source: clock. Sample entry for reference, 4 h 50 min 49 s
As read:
8 h 29 min 19 s
